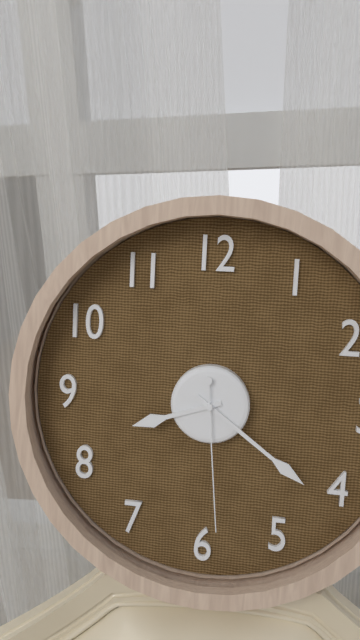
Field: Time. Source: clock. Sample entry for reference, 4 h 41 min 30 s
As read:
8 h 21 min 29 s
